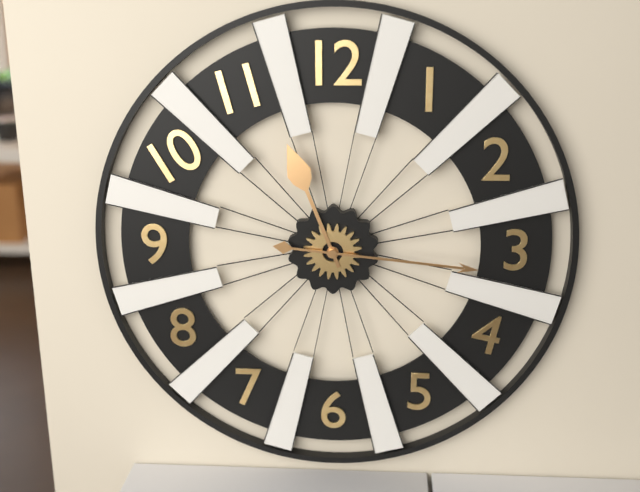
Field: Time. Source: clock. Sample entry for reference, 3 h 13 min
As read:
11 h 16 min
